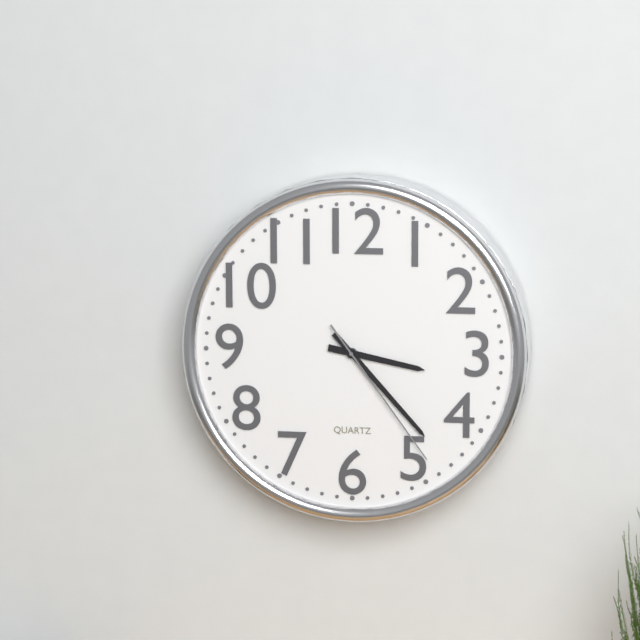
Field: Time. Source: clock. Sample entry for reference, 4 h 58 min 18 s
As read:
3 h 23 min 24 s
